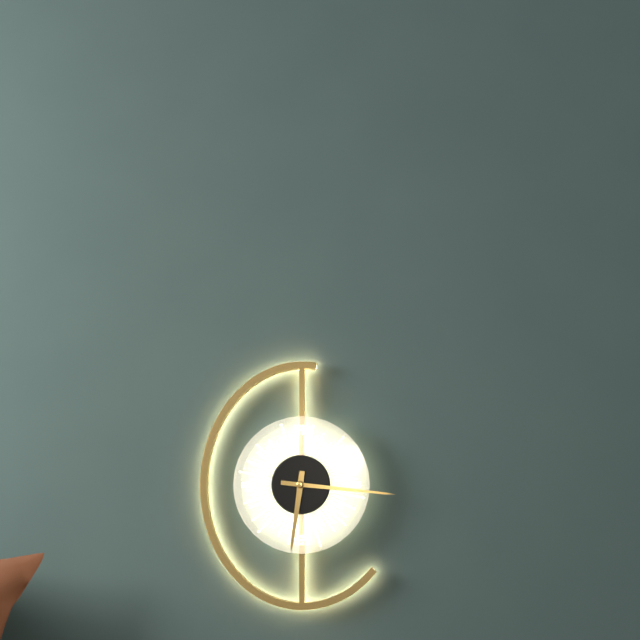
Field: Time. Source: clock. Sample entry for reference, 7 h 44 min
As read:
6 h 16 min
